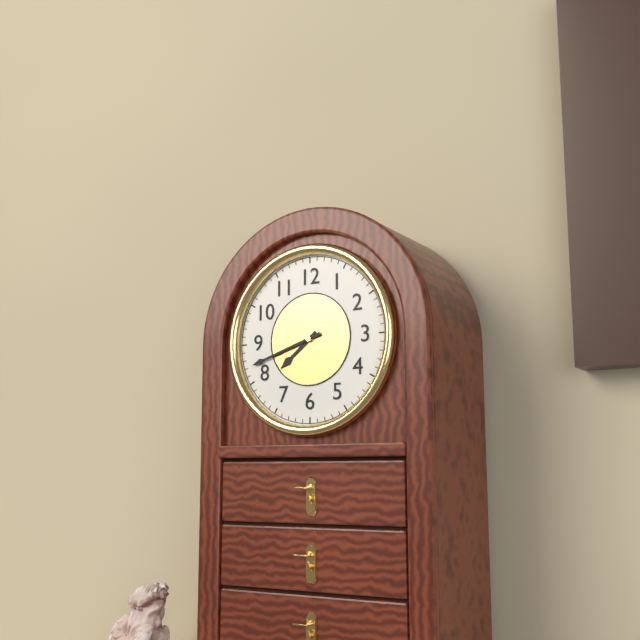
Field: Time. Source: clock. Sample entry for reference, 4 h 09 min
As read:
7 h 42 min
